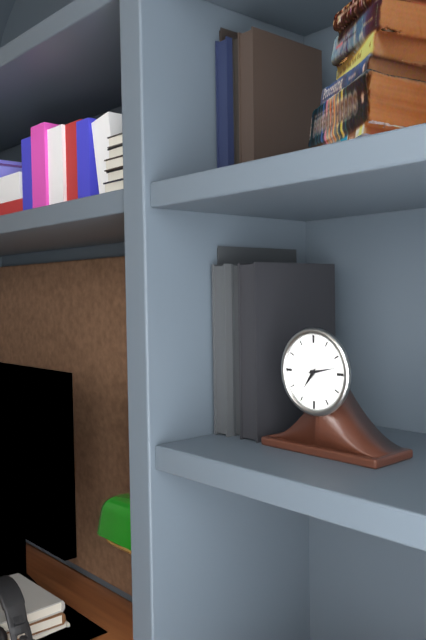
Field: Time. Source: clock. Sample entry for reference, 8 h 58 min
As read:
7 h 13 min
